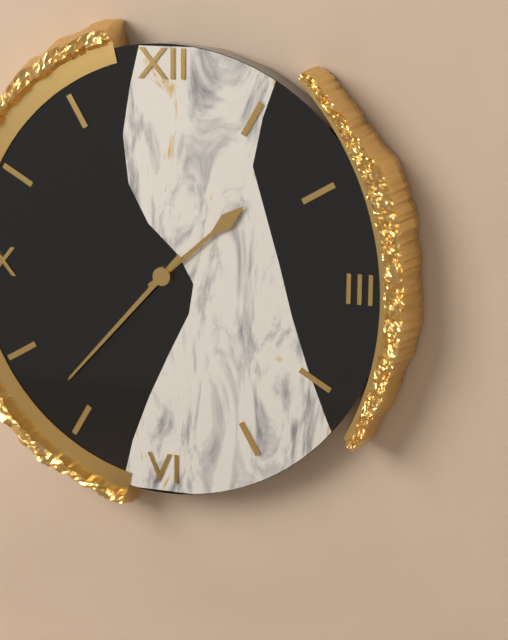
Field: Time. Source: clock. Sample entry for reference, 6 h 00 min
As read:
1 h 37 min
